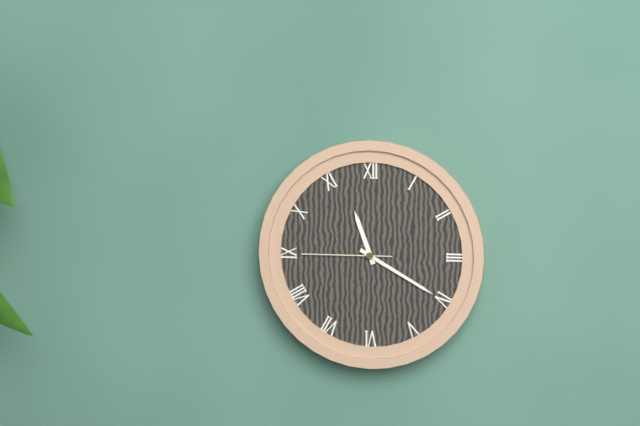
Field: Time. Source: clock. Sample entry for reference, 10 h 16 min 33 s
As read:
11 h 20 min 45 s
